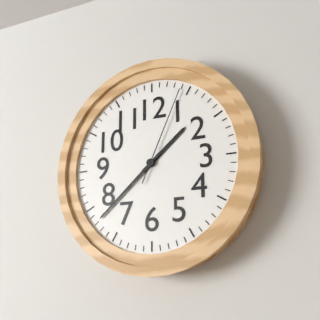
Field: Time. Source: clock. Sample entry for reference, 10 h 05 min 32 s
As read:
1 h 38 min 04 s
